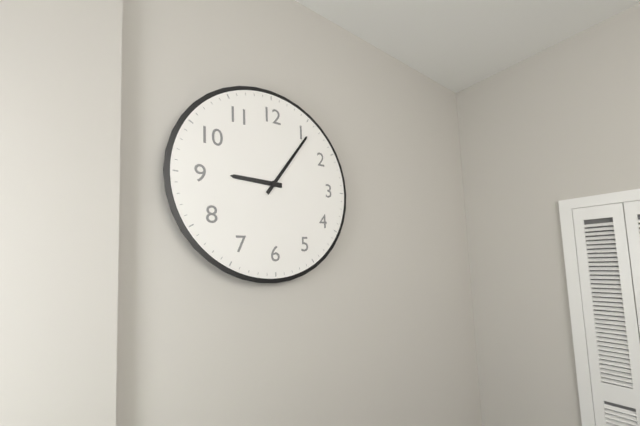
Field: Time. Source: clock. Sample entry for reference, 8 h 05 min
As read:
9 h 06 min
